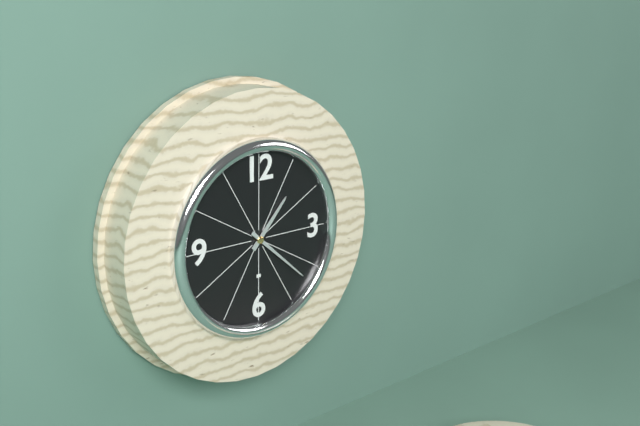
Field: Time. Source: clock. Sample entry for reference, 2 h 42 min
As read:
1 h 22 min
